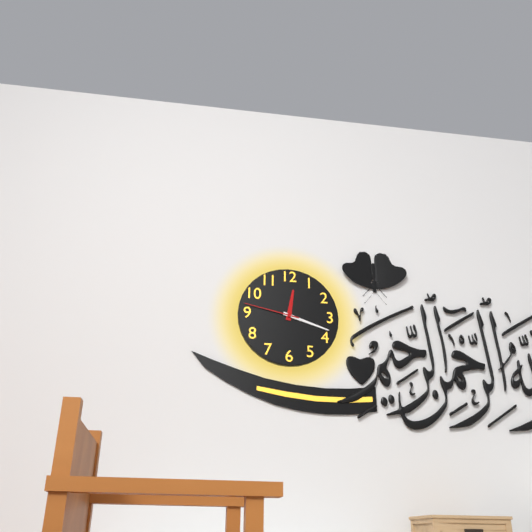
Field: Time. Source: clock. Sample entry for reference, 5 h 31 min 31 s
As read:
12 h 18 min 47 s
